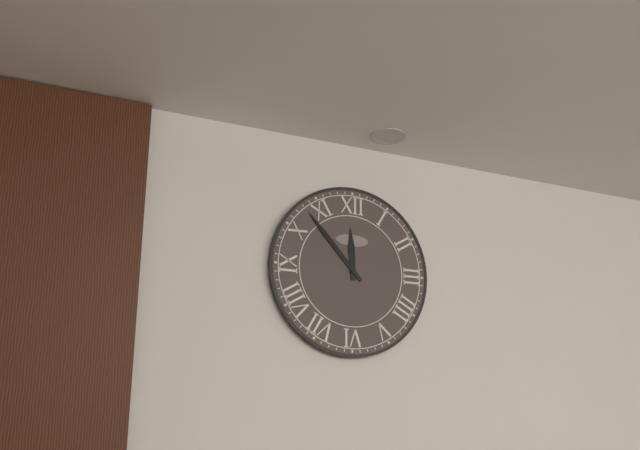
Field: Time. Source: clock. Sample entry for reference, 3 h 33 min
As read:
11 h 53 min
